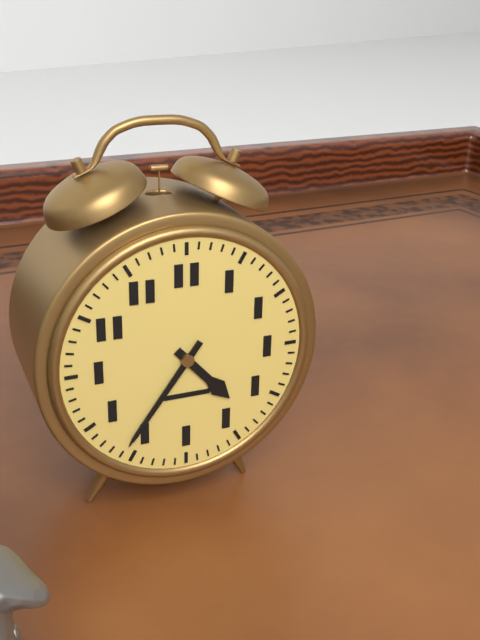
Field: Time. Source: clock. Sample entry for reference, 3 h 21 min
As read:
4 h 36 min
